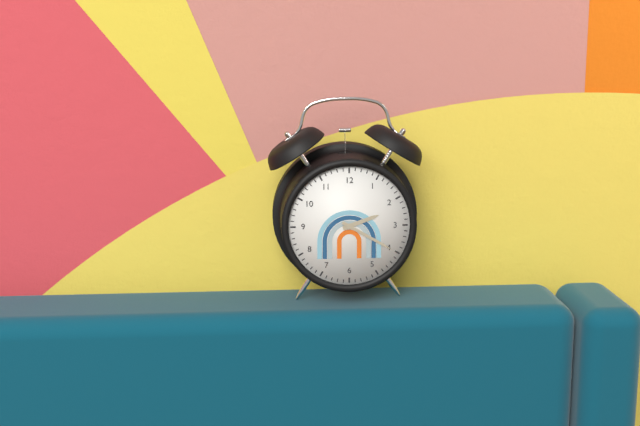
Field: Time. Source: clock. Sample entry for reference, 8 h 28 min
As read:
2 h 20 min
